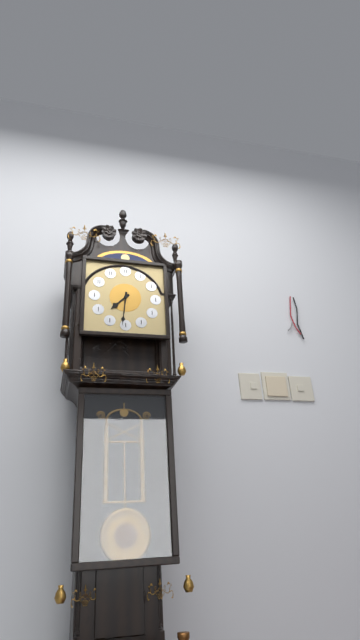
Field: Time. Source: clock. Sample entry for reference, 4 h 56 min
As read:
7 h 31 min
